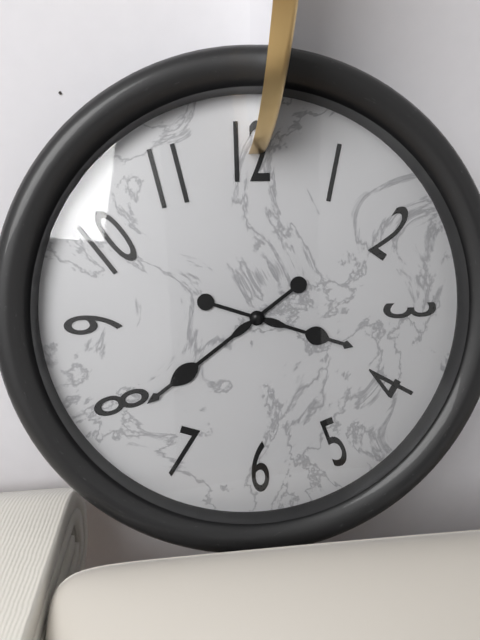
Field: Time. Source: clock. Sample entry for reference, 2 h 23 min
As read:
3 h 39 min
